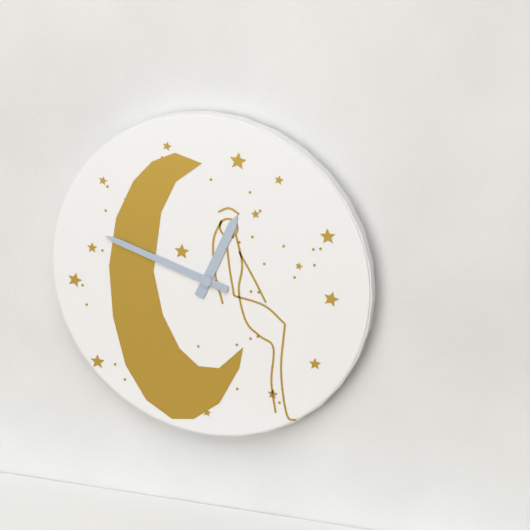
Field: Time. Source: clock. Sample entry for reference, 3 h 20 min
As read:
12 h 48 min
